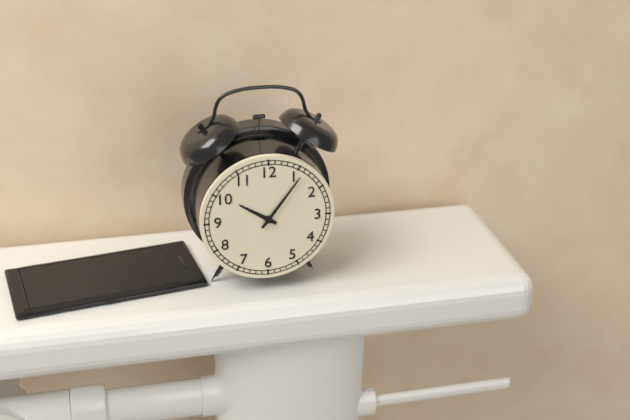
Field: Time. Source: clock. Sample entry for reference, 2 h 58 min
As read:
10 h 06 min
